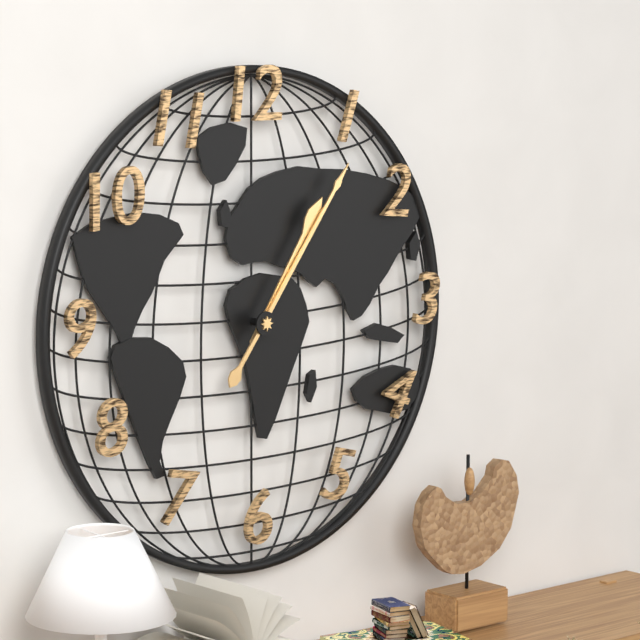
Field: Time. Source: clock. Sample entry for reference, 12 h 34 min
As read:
1 h 06 min
